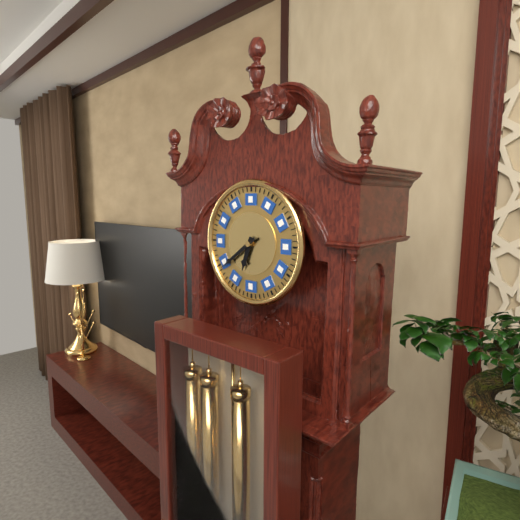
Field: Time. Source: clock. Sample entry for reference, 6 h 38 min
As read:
6 h 39 min
